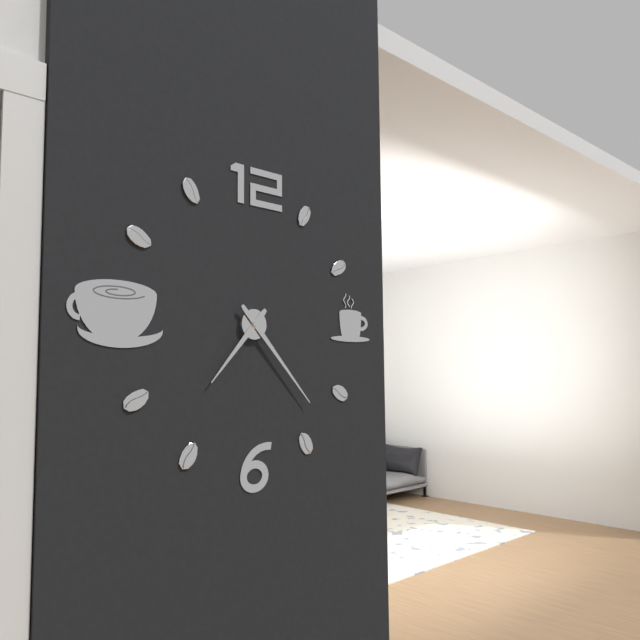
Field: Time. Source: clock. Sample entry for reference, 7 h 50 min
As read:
7 h 23 min
